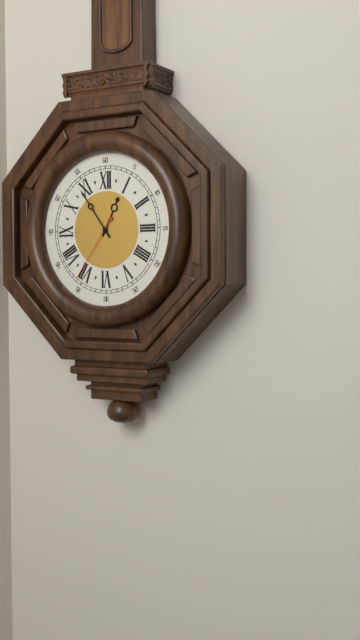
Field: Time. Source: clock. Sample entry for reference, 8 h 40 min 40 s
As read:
12 h 54 min 36 s
